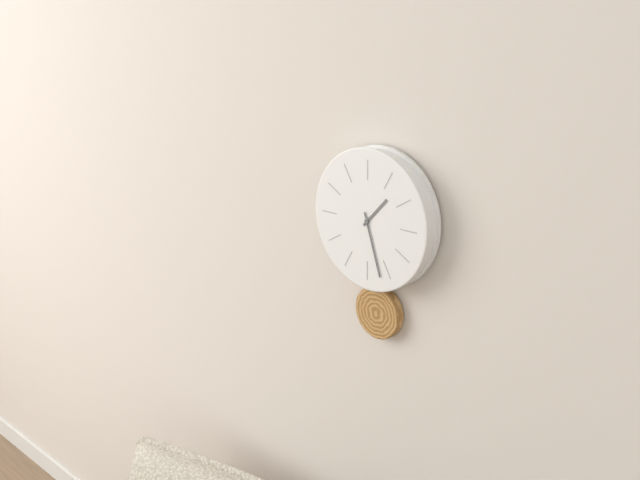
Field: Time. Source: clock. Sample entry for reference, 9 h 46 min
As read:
1 h 27 min
